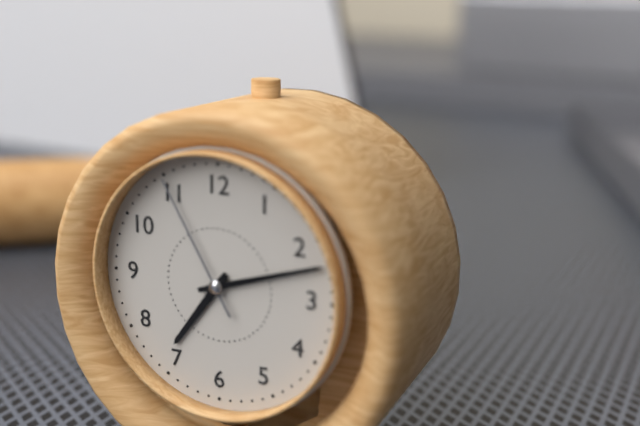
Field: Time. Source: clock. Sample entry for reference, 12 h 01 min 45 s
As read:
7 h 12 min 55 s
